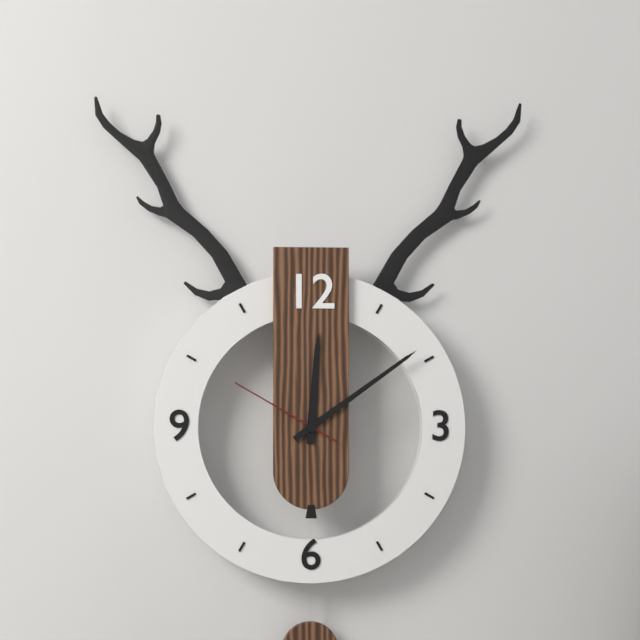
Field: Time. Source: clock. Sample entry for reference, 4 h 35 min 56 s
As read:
12 h 09 min 50 s
